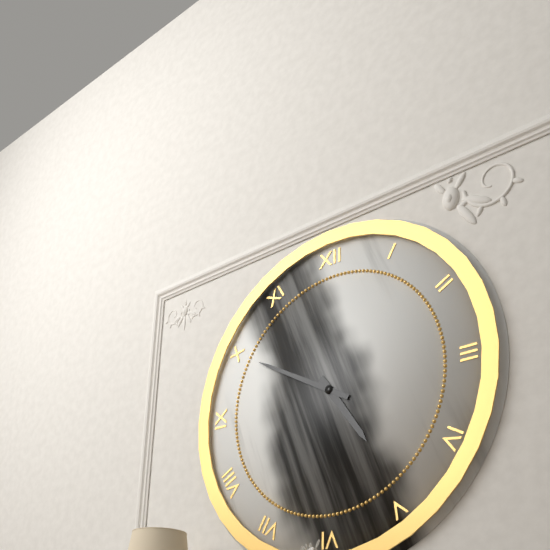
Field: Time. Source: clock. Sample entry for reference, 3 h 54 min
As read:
4 h 50 min
